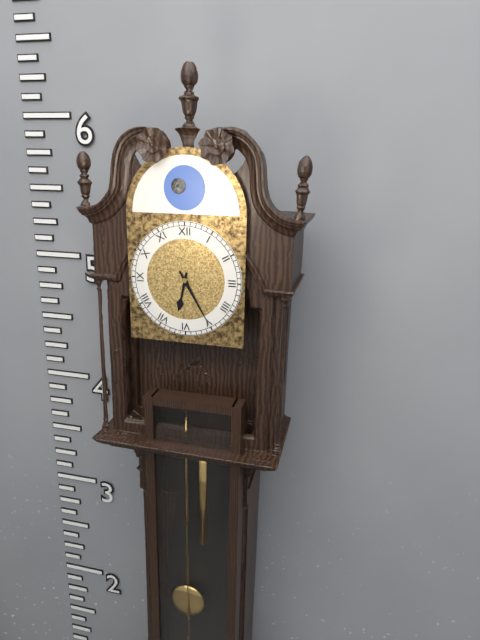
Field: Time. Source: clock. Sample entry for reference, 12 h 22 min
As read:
6 h 25 min
